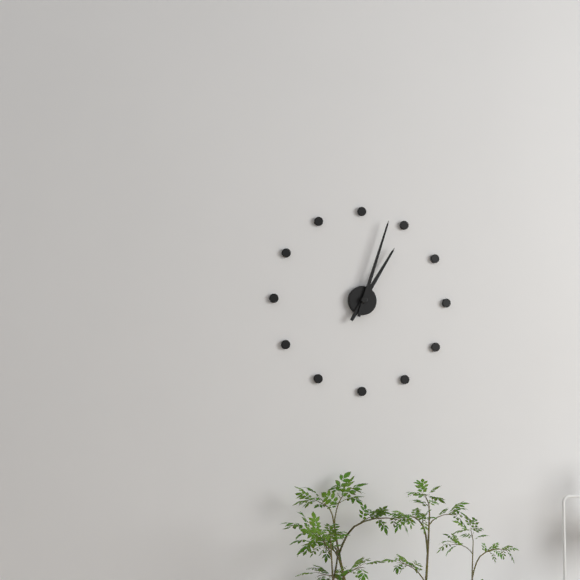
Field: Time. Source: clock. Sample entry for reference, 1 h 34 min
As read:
1 h 03 min
